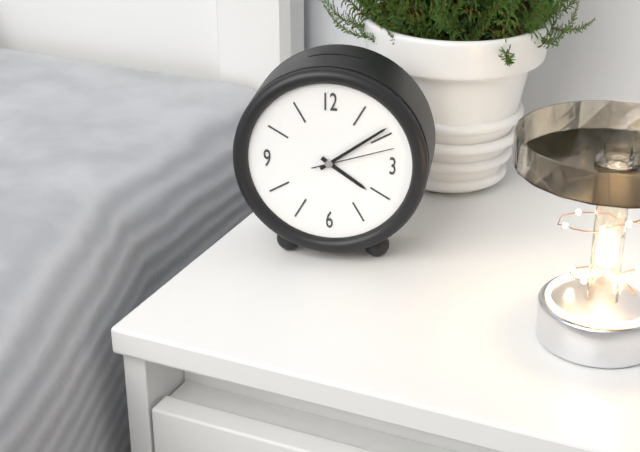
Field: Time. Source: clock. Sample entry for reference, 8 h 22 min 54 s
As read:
4 h 09 min 12 s
